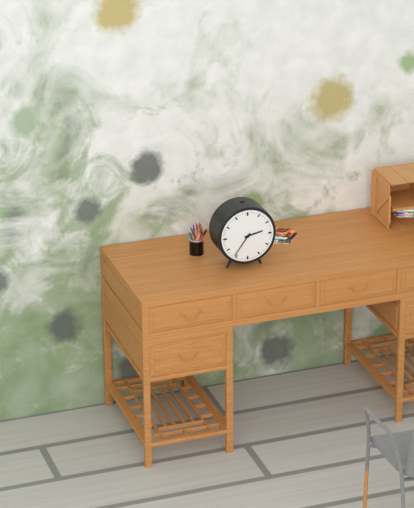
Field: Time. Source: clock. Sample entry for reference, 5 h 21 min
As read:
2 h 36 min
